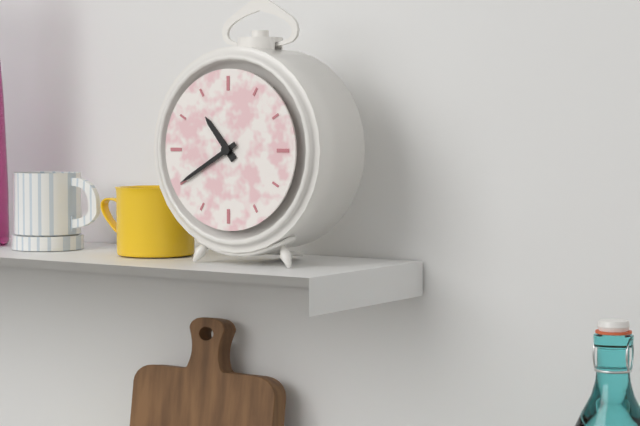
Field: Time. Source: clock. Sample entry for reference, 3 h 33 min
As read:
10 h 40 min
